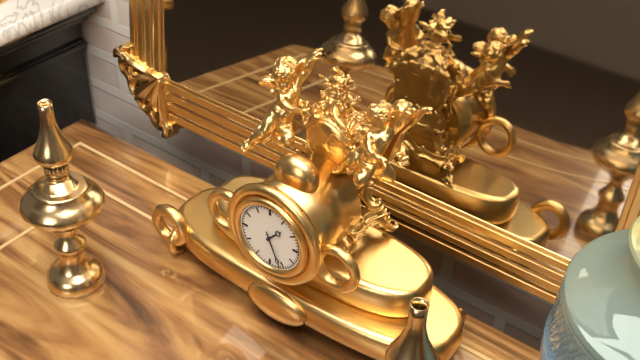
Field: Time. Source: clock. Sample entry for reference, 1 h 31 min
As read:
1 h 26 min
